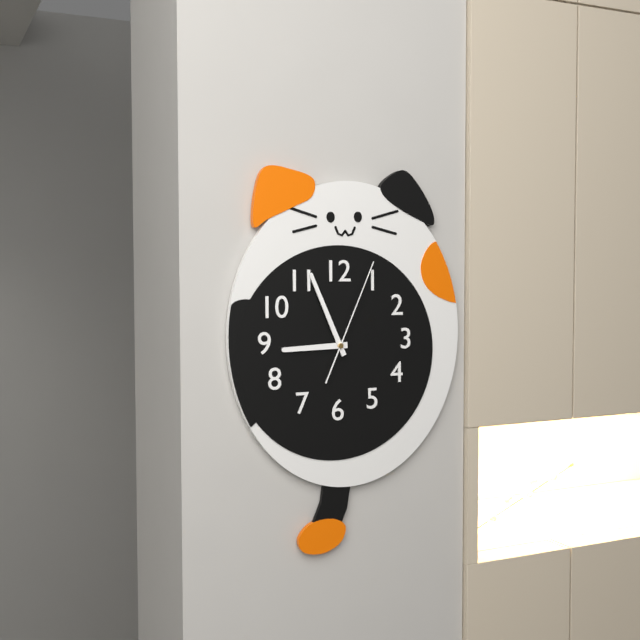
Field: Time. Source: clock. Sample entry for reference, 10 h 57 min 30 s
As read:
8 h 56 min 04 s
